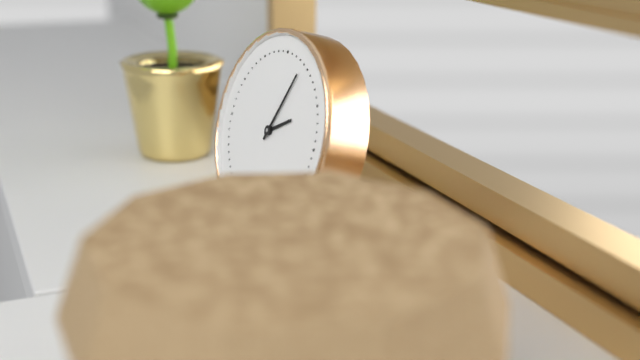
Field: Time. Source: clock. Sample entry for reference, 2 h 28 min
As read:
2 h 04 min
